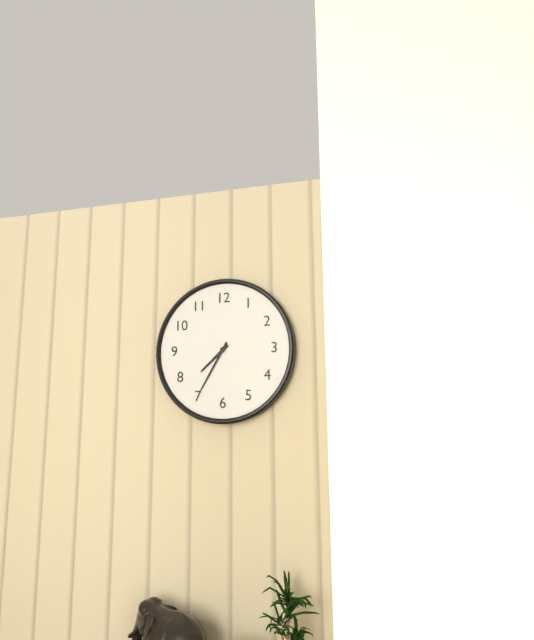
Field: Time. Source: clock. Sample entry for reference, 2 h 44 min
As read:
7 h 35 min
